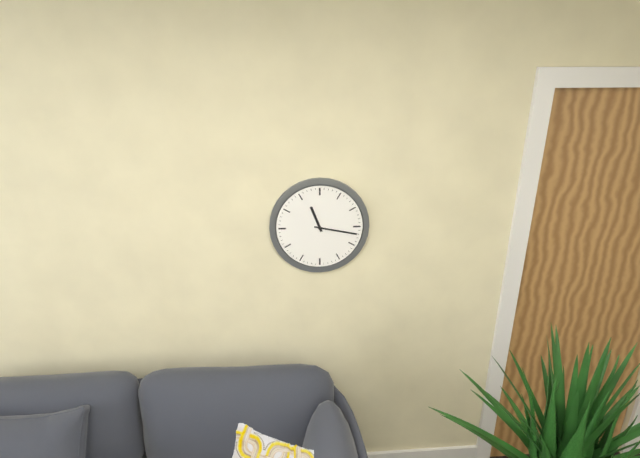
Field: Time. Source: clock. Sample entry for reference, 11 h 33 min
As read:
11 h 17 min
